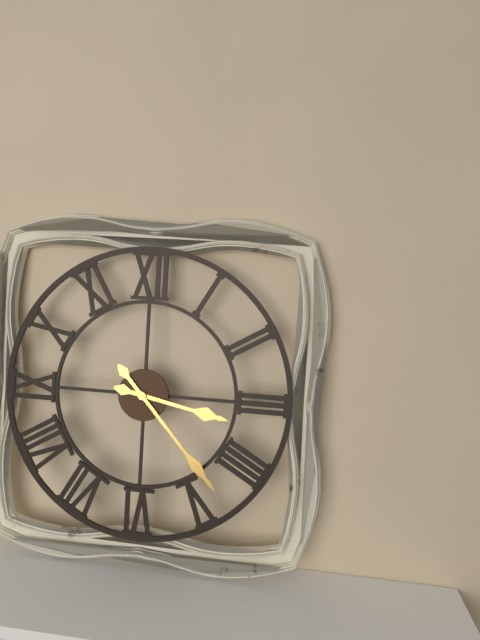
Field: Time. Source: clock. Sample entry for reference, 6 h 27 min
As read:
3 h 23 min
